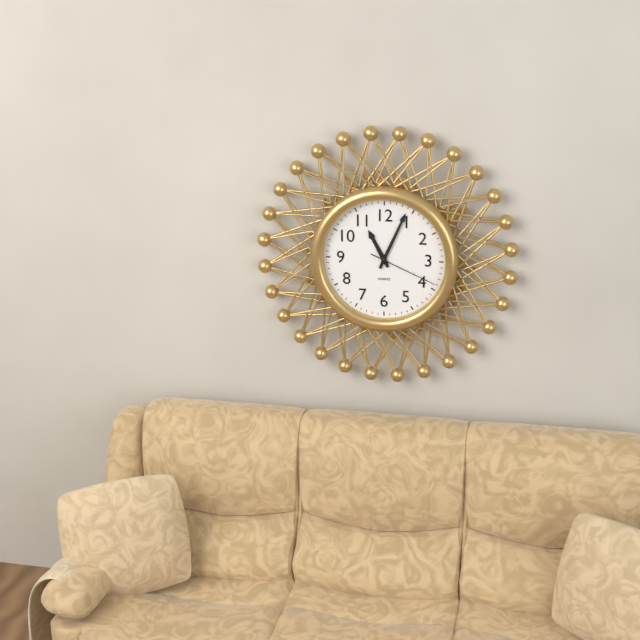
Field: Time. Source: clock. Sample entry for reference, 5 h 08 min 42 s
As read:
11 h 04 min 19 s
